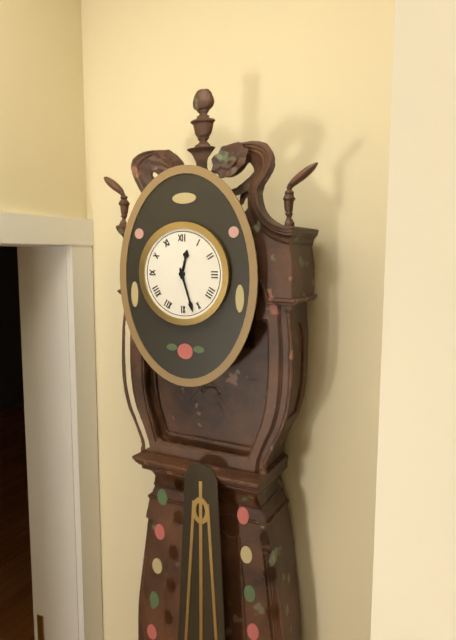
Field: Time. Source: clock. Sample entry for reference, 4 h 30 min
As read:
12 h 27 min
